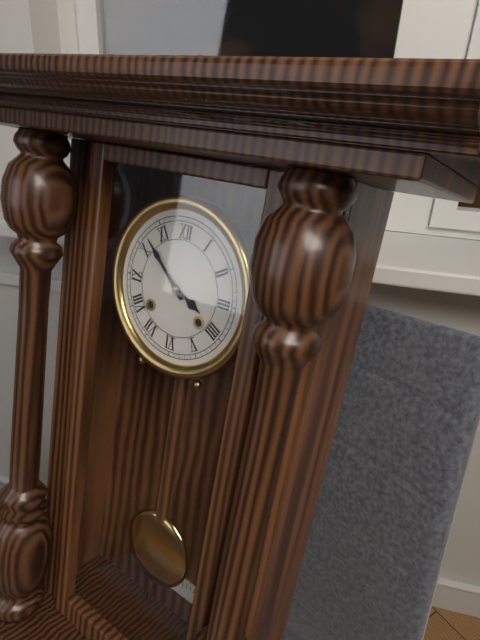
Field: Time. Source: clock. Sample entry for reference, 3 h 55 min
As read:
3 h 52 min
